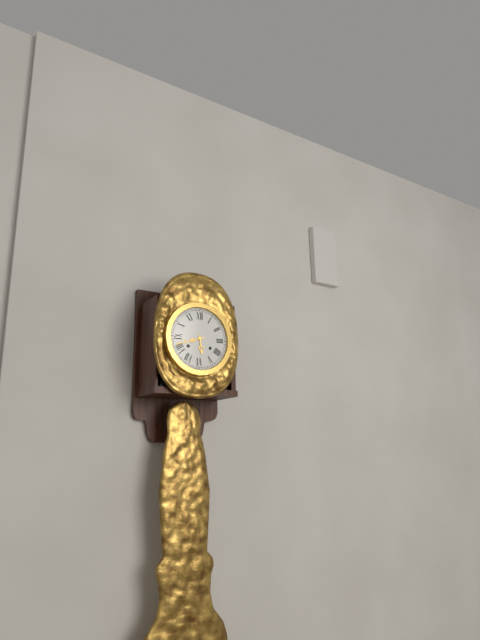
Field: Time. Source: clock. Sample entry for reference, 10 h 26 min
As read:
5 h 42 min
